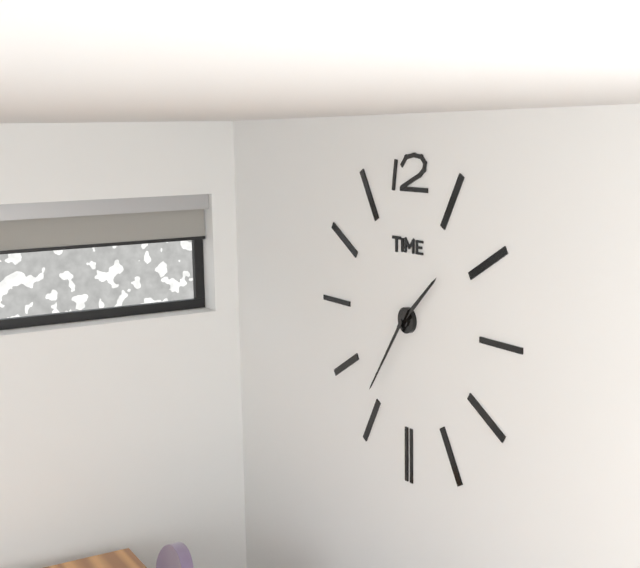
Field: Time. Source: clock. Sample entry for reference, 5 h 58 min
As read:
1 h 36 min
